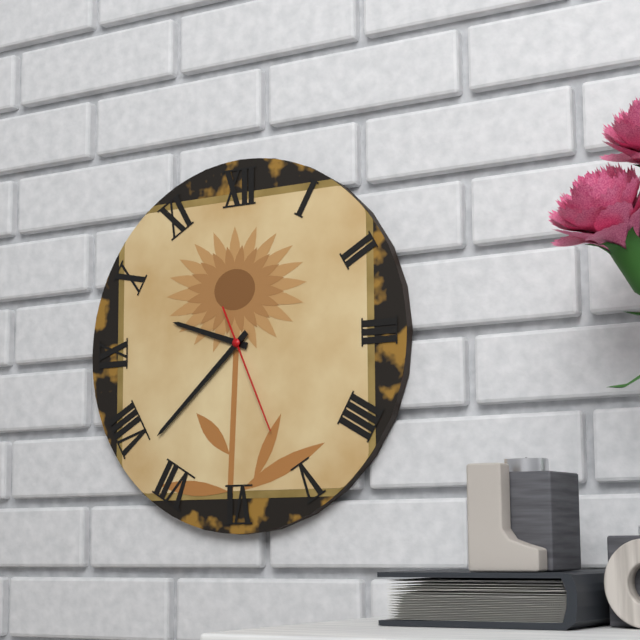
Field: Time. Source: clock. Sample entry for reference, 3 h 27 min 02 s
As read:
9 h 38 min 26 s
